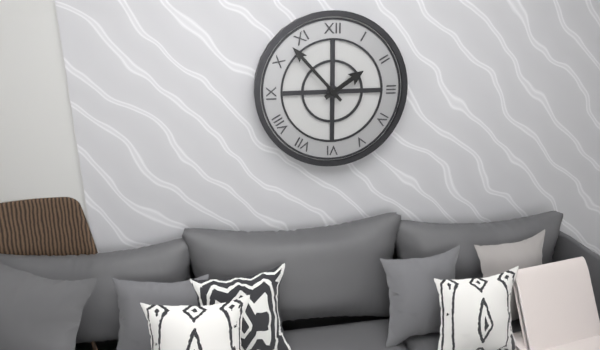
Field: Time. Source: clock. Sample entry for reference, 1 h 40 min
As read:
1 h 53 min
